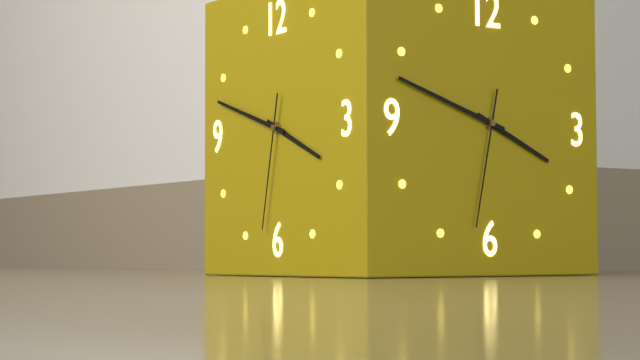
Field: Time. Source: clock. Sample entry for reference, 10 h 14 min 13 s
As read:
3 h 48 min 32 s
